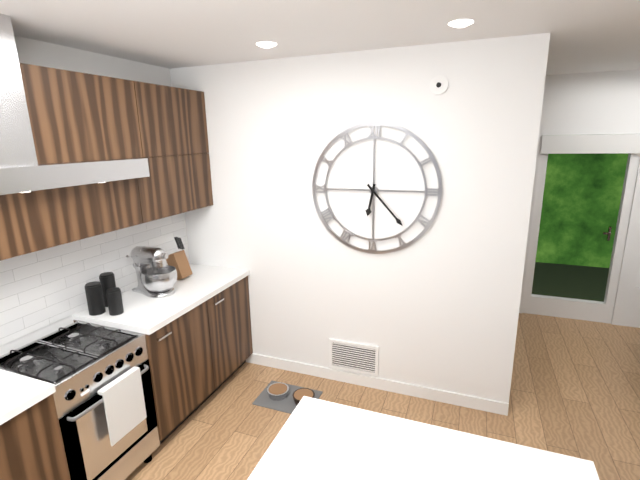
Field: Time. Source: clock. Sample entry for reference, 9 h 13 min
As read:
6 h 23 min
